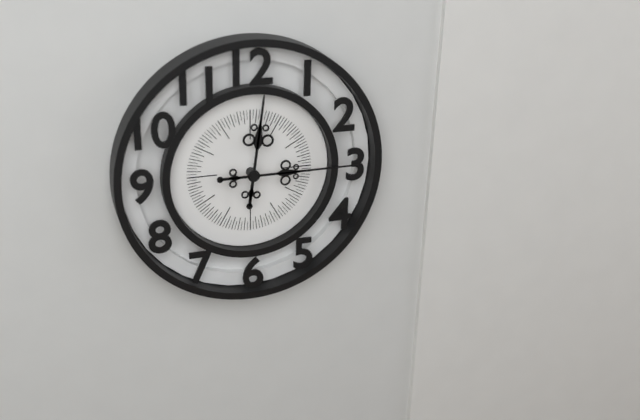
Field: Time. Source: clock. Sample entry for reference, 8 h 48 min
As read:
12 h 15 min
